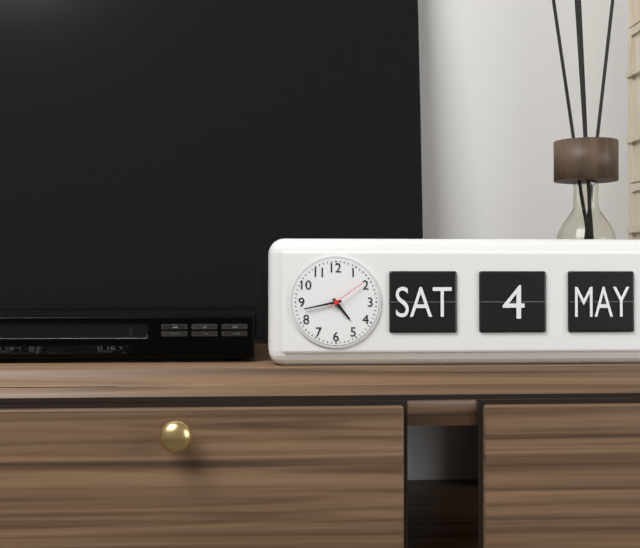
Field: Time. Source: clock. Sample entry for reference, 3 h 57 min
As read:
4 h 43 min
